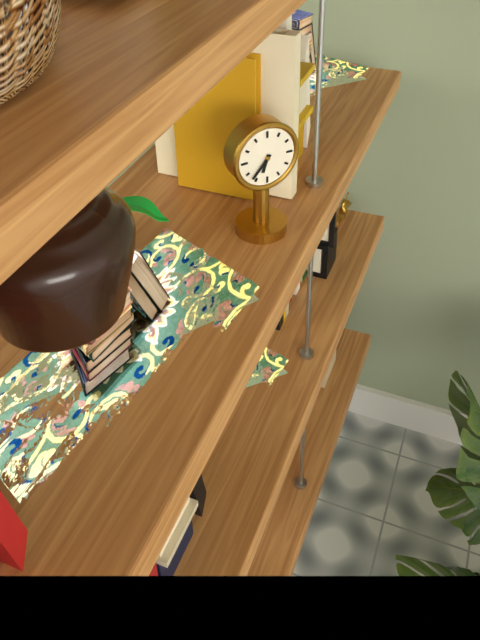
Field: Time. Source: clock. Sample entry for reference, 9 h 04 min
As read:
6 h 37 min
